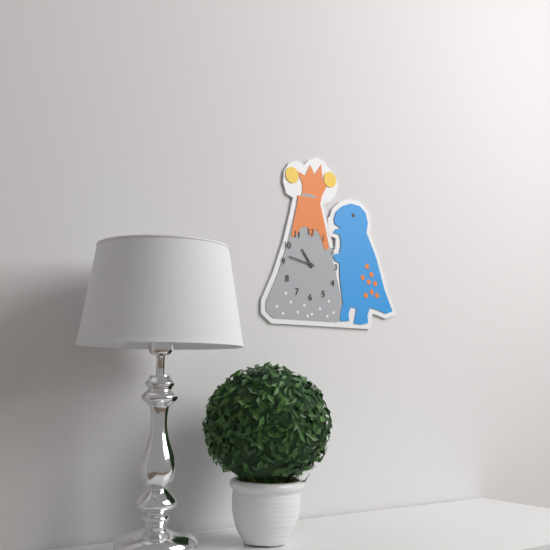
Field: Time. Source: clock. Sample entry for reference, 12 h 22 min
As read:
10 h 47 min
